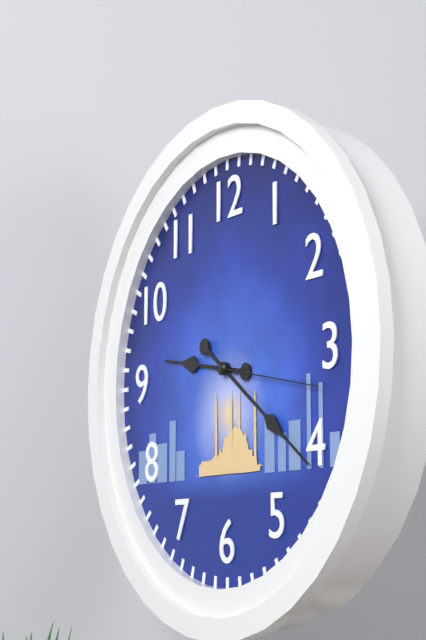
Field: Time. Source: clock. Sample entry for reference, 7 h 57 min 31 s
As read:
9 h 21 min 17 s
